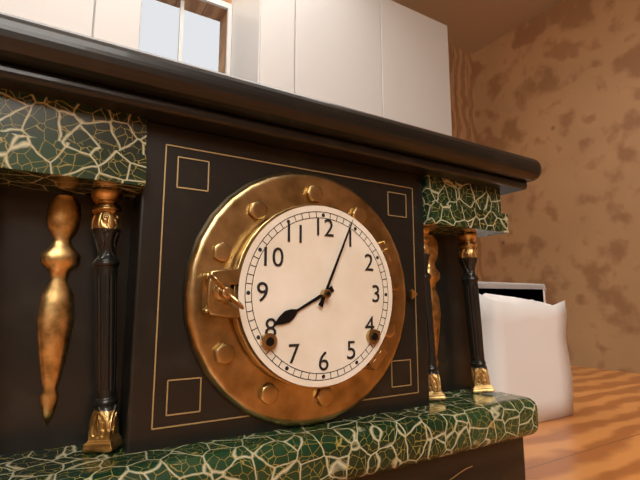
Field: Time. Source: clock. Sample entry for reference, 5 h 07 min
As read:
8 h 04 min
